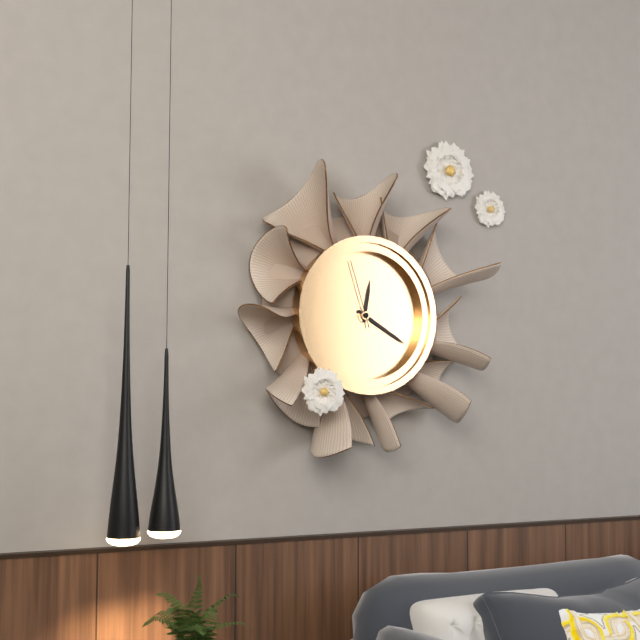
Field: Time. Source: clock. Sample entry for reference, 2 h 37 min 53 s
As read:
12 h 20 min 57 s
